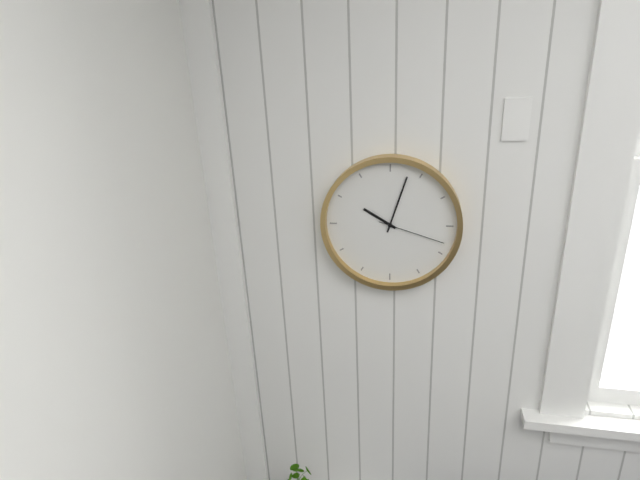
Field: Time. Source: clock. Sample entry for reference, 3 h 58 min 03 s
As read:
10 h 03 min 18 s
